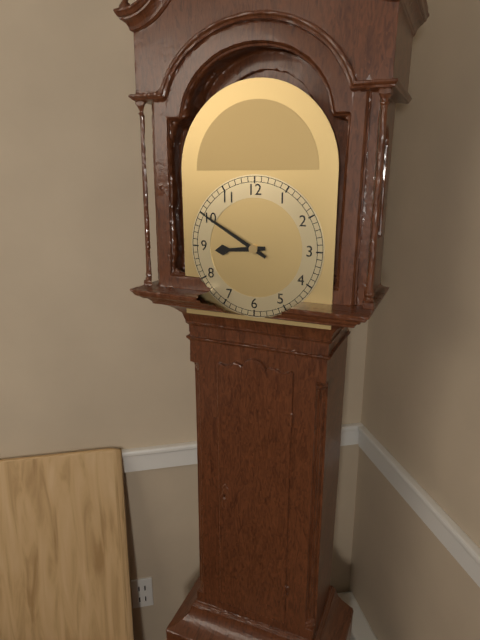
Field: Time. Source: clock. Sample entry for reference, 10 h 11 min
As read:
8 h 50 min
